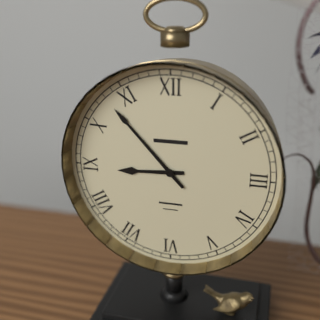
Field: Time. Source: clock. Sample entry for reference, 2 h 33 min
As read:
8 h 53 min
